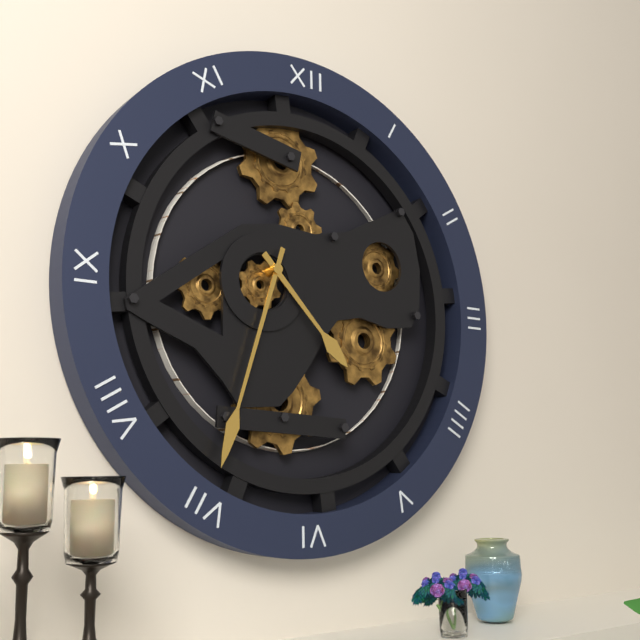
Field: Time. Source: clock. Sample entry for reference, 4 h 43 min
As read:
4 h 33 min
